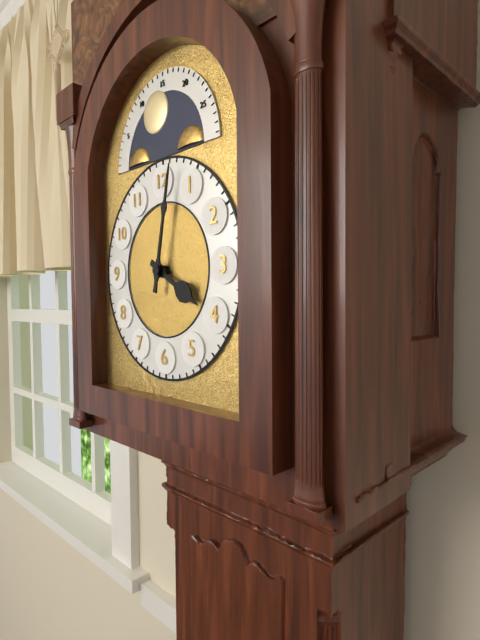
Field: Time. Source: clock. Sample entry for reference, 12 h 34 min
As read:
4 h 02 min
